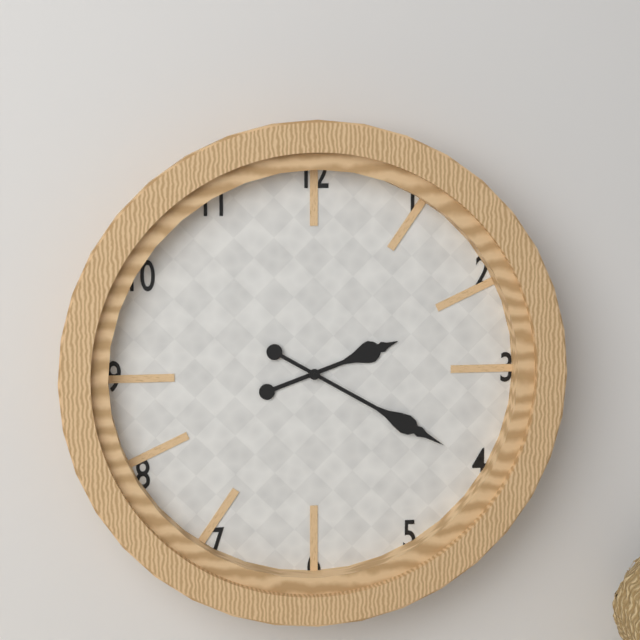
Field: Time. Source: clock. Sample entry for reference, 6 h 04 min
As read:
2 h 20 min
